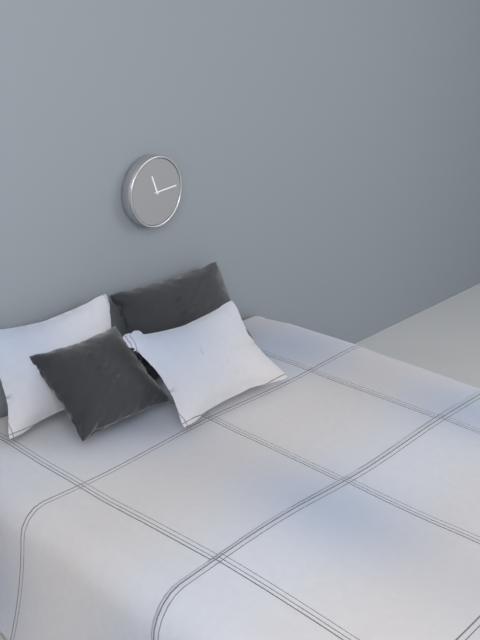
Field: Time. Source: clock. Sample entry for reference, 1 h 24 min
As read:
11 h 14 min
